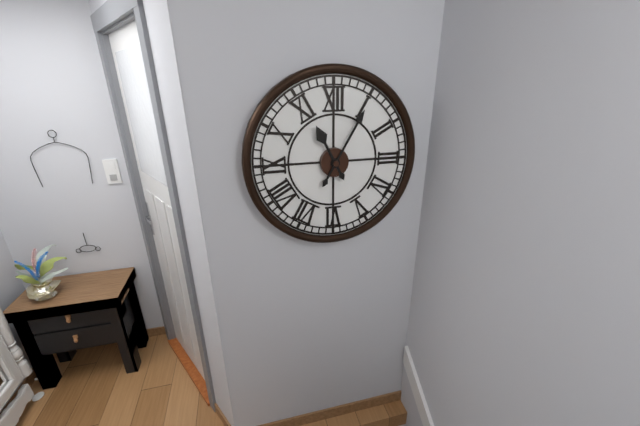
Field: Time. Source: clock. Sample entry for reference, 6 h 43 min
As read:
11 h 05 min
